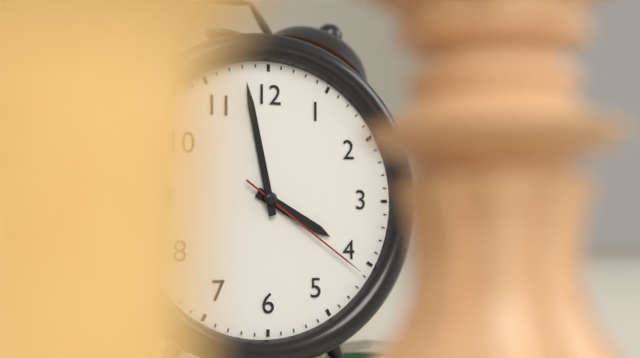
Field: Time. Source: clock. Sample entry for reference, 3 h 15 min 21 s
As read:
3 h 58 min 21 s
